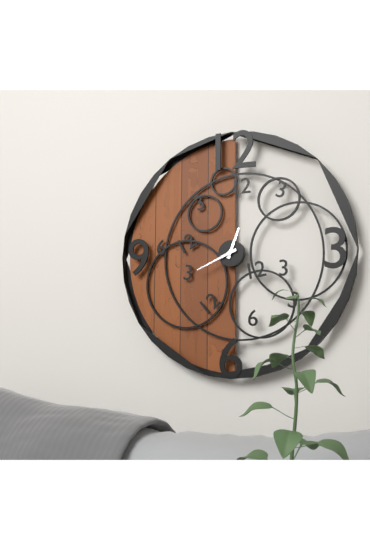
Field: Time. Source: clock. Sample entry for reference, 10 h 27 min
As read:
12 h 41 min
